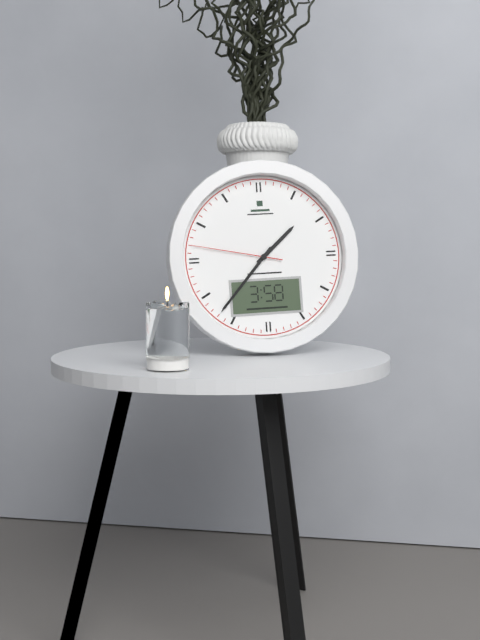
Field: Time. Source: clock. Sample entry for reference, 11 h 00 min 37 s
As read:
1 h 37 min 47 s
